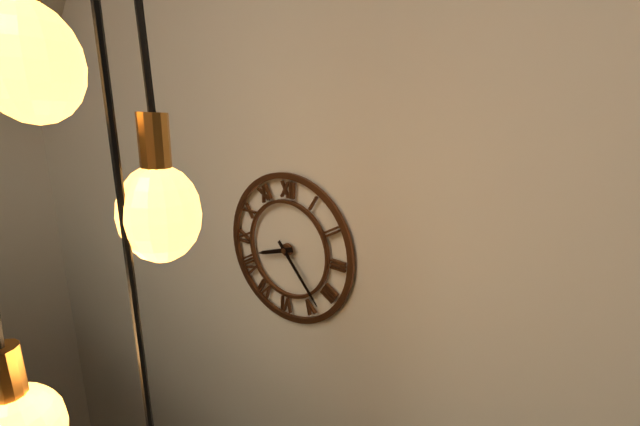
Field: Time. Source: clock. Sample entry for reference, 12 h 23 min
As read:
8 h 23 min
